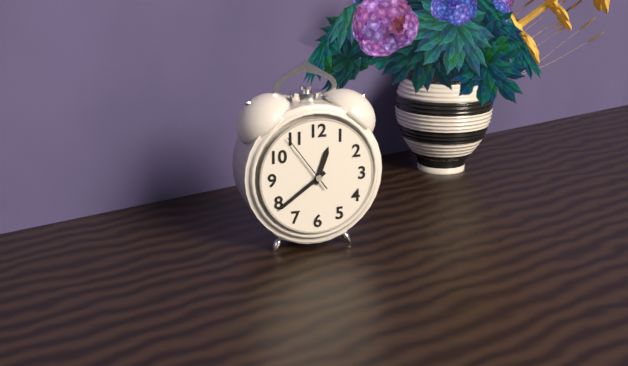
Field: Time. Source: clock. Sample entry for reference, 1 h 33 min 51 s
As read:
12 h 39 min 54 s
